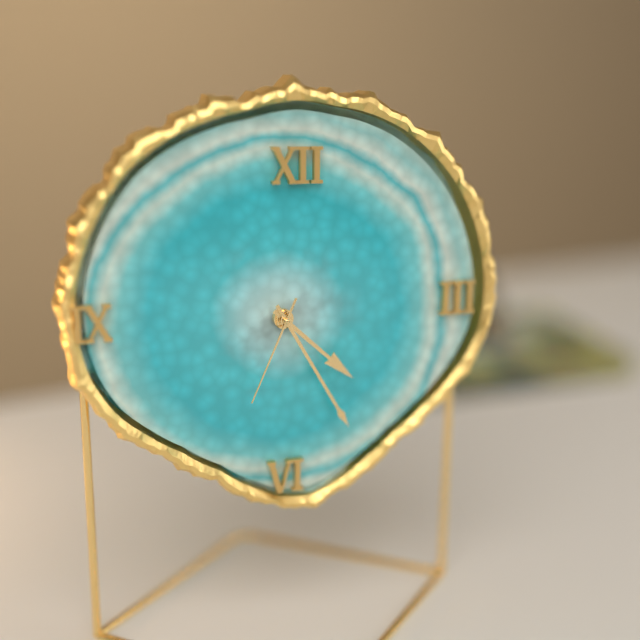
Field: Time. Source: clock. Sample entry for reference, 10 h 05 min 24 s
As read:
4 h 25 min 34 s
